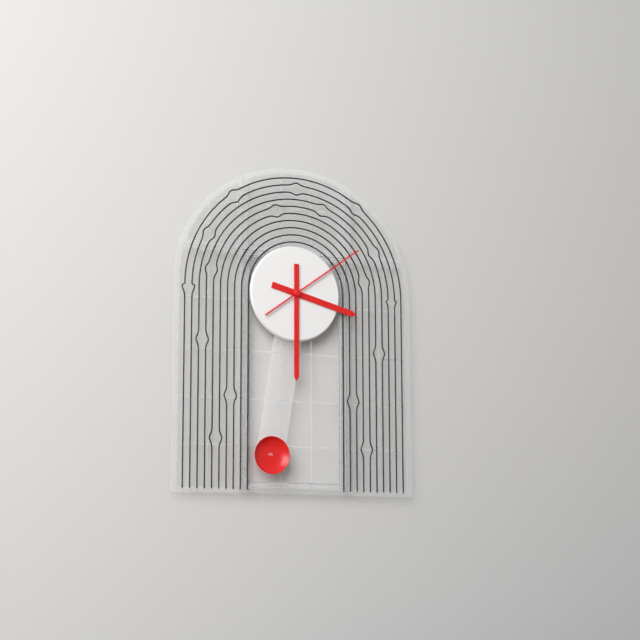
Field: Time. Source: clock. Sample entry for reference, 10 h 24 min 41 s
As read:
3 h 30 min 09 s
